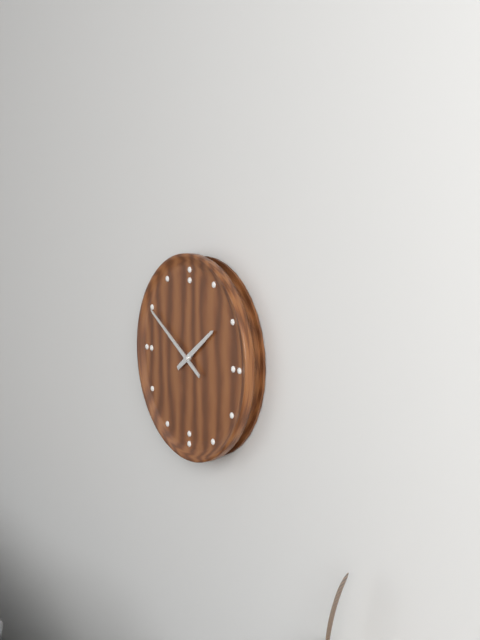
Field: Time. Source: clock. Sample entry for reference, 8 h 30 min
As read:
1 h 50 min
